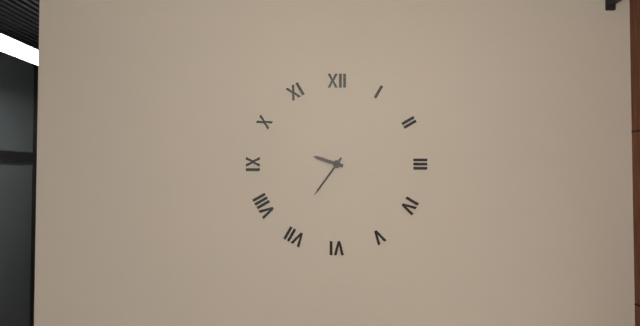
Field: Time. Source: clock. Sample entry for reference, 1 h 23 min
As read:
9 h 36 min
